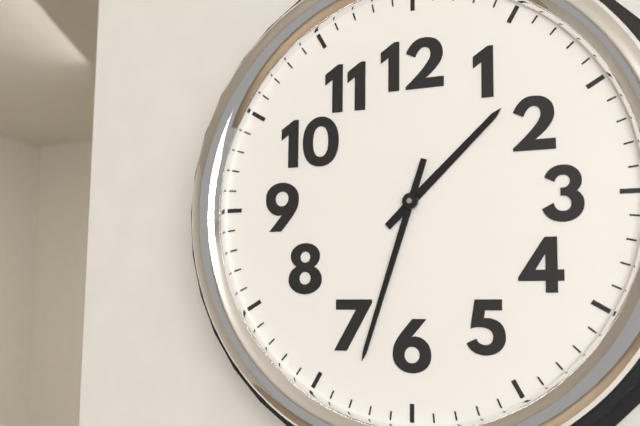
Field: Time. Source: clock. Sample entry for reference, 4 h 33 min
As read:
1 h 33 min
